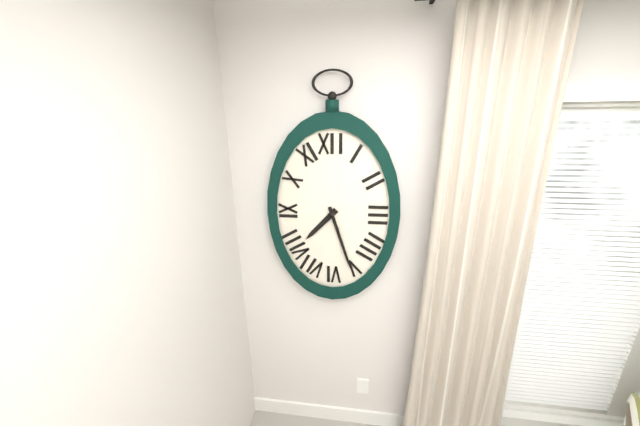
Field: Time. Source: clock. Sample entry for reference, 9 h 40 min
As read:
7 h 27 min
